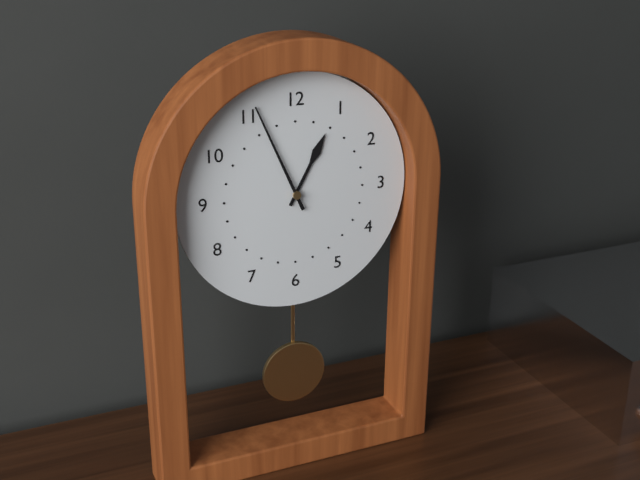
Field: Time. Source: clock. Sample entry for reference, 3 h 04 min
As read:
12 h 56 min
